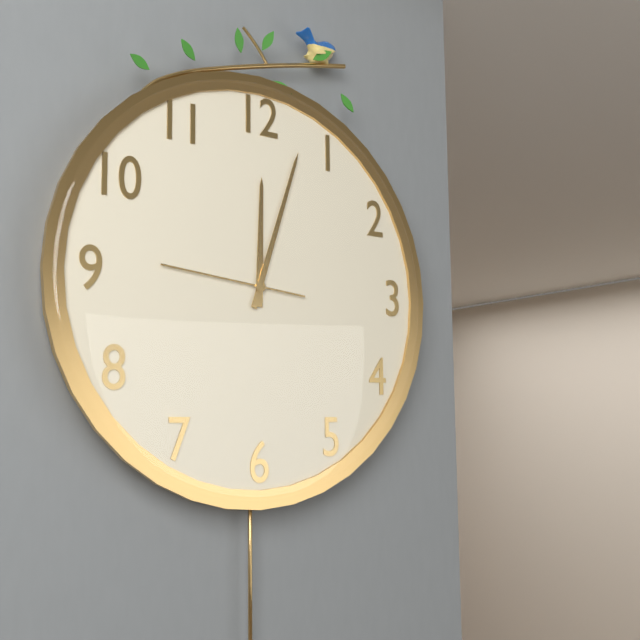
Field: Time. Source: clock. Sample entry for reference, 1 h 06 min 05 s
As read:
12 h 03 min 46 s
